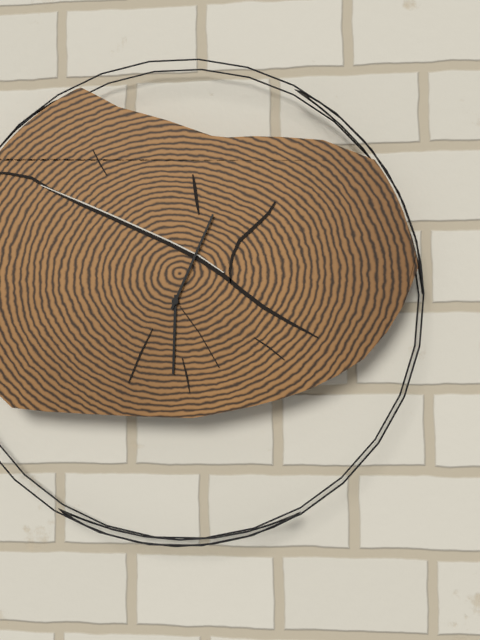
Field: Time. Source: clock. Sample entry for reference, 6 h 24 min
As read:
6 h 04 min
